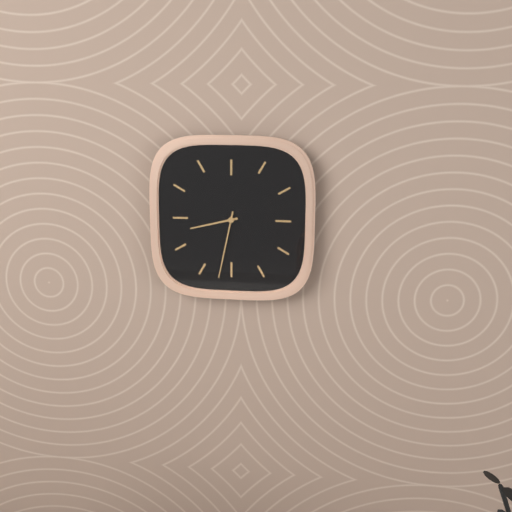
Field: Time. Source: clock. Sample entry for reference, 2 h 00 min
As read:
8 h 32 min
